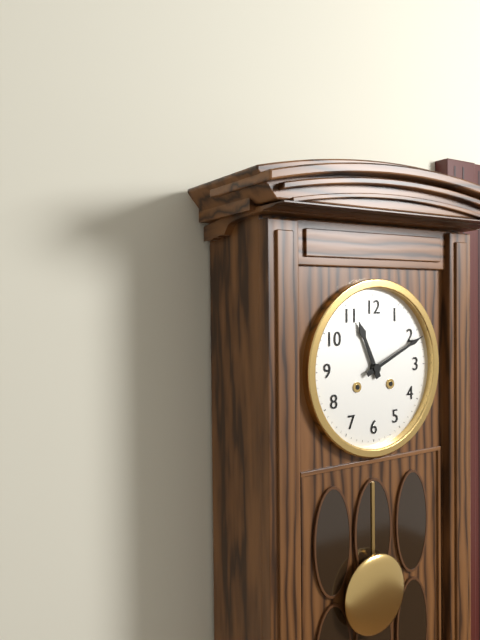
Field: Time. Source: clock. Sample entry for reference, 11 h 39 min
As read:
11 h 11 min
